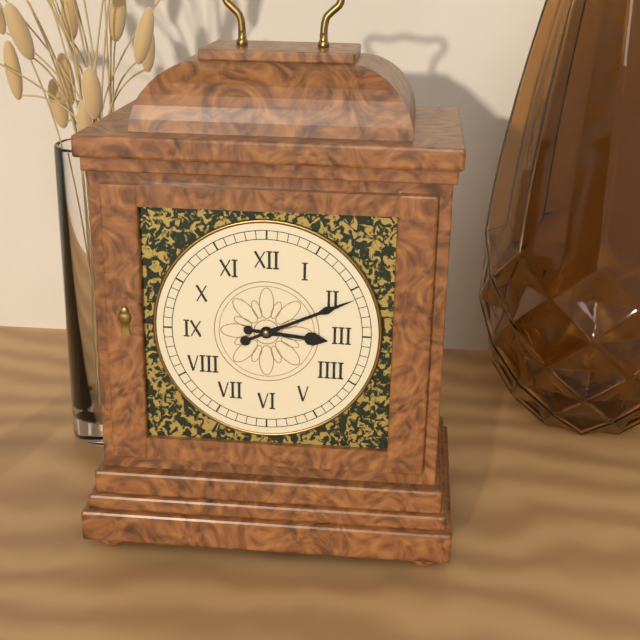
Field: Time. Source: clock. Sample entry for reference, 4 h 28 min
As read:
3 h 11 min
